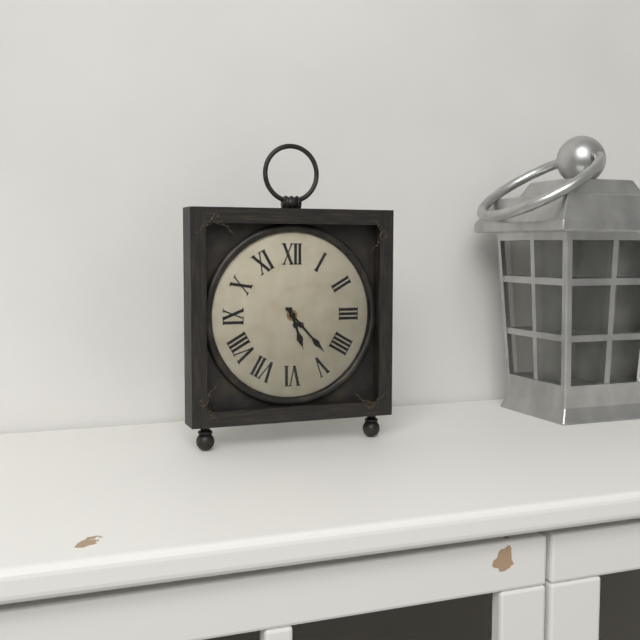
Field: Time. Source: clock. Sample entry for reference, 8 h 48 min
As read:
5 h 23 min
